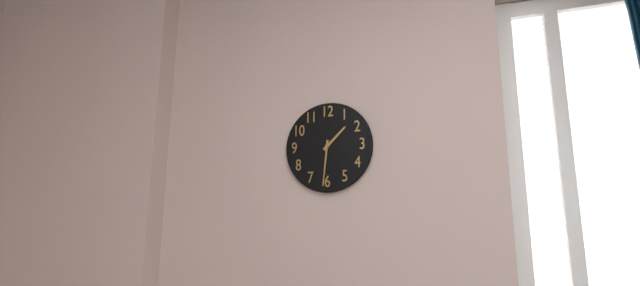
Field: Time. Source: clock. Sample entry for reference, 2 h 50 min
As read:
1 h 31 min
